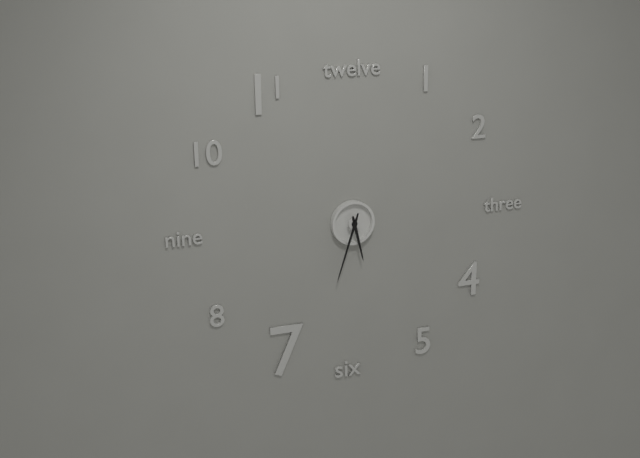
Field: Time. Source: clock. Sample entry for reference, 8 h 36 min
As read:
5 h 33 min
